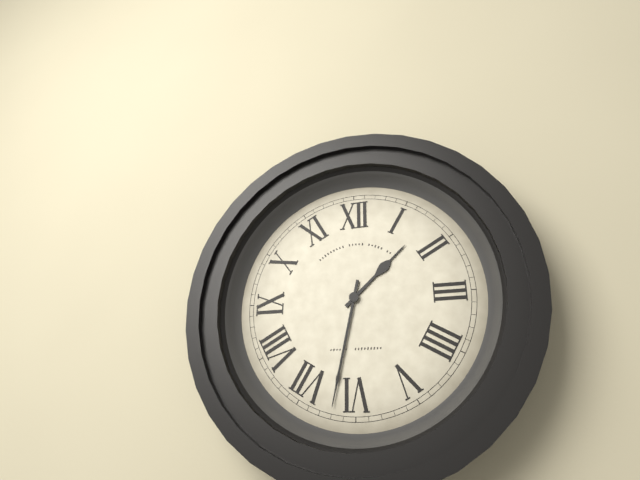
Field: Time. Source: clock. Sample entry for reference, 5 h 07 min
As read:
1 h 32 min
